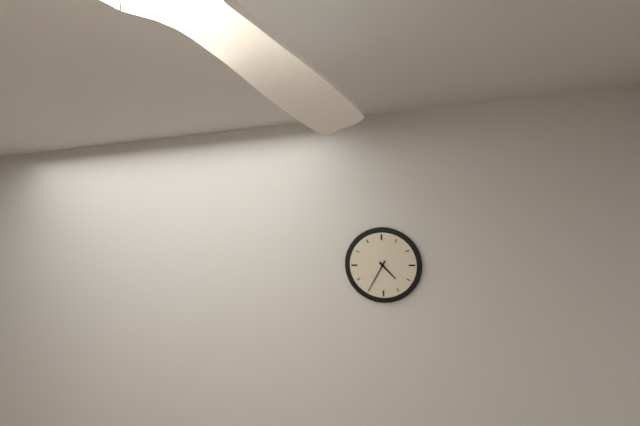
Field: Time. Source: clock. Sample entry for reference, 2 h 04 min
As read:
4 h 35 min
